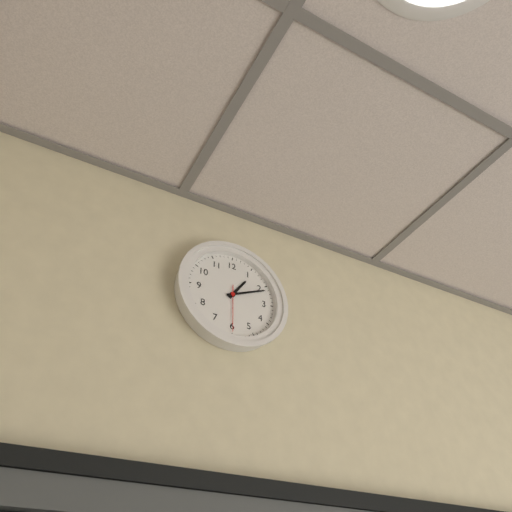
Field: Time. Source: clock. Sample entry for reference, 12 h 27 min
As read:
1 h 11 min
